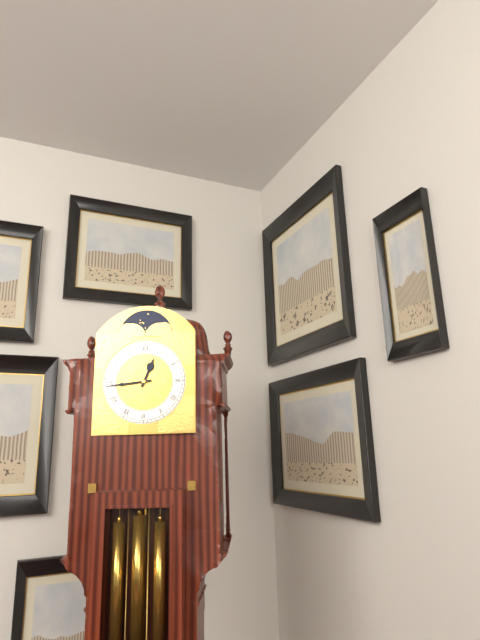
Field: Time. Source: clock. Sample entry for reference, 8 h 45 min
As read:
12 h 44 min
